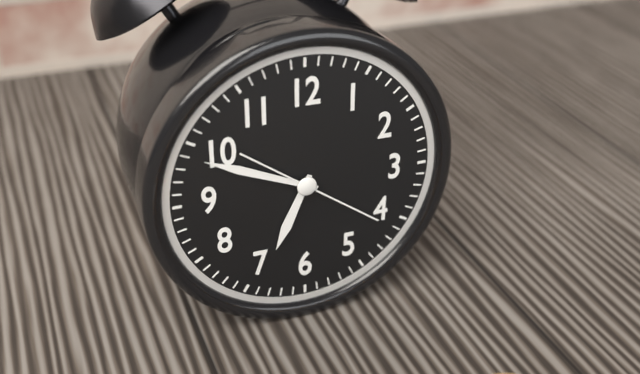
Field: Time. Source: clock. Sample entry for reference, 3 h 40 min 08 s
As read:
6 h 49 min 21 s
